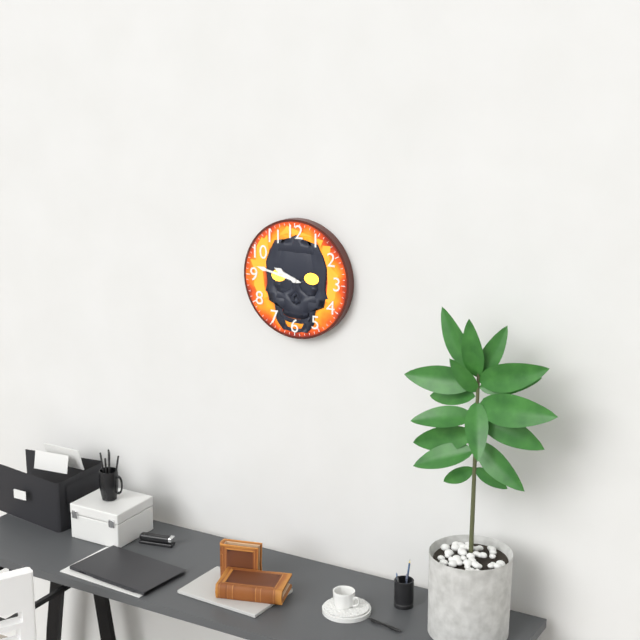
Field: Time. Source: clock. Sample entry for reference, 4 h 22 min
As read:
9 h 47 min
